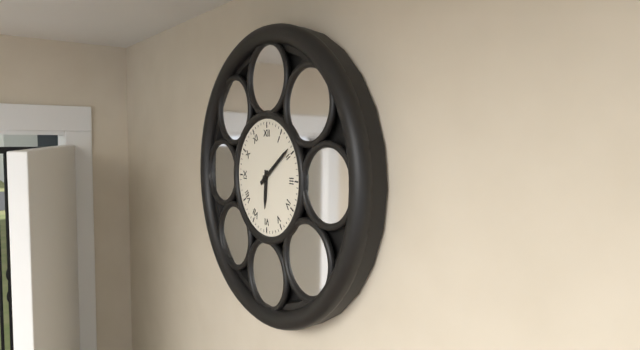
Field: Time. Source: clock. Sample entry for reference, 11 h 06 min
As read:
6 h 09 min
